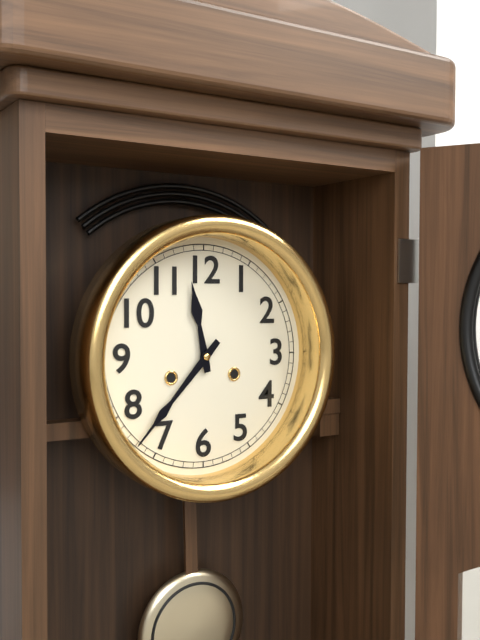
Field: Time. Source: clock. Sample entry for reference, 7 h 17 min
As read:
11 h 37 min
